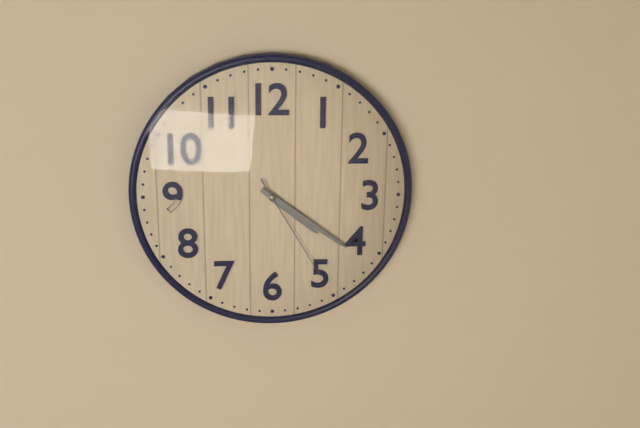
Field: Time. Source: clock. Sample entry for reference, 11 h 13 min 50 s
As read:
4 h 21 min 25 s
